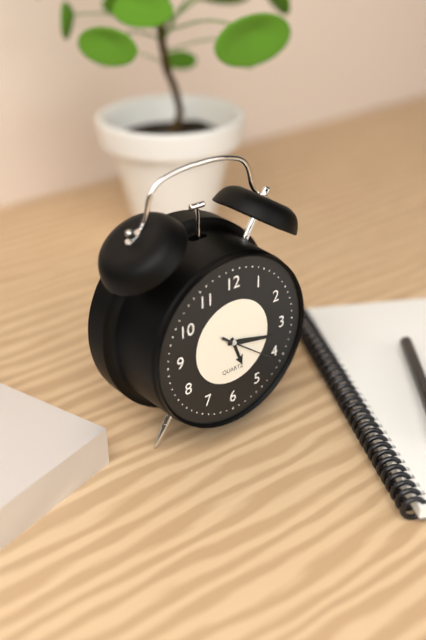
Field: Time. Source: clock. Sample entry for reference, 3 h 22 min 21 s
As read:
5 h 17 min 21 s
